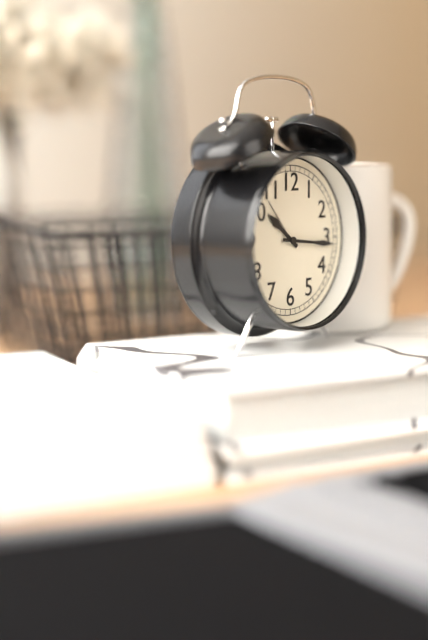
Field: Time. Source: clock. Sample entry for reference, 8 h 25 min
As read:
10 h 16 min
